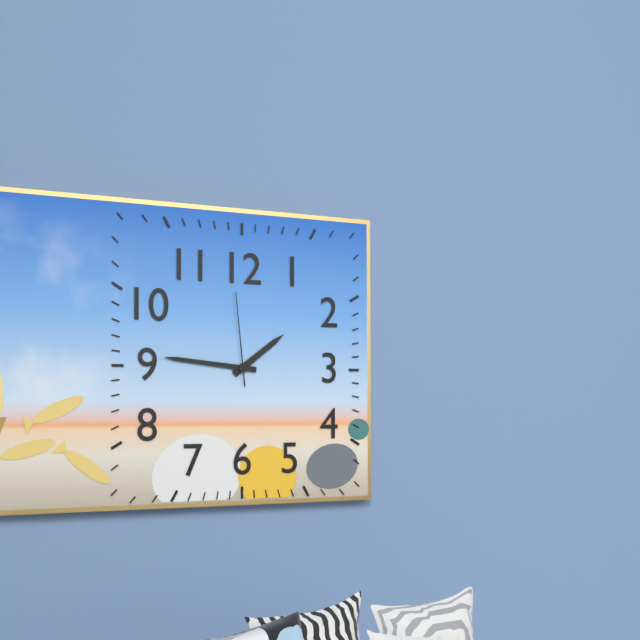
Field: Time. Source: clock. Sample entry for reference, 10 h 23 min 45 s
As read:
1 h 46 min 59 s
